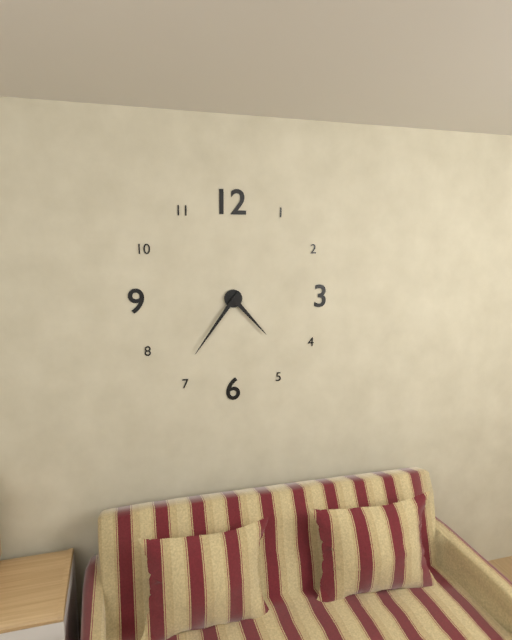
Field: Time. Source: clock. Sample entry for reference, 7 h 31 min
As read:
4 h 36 min
